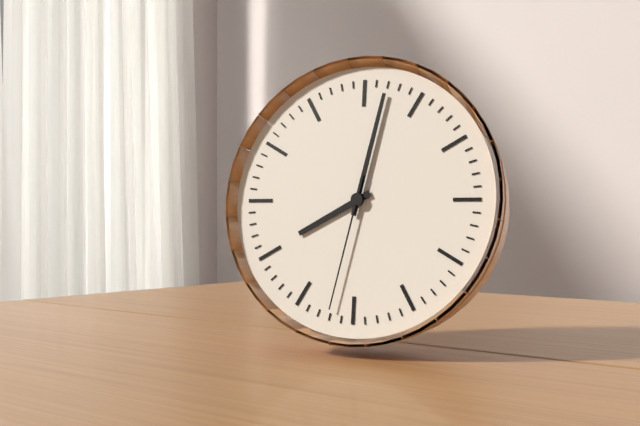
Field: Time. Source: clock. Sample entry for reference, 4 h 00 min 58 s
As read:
8 h 02 min 32 s
